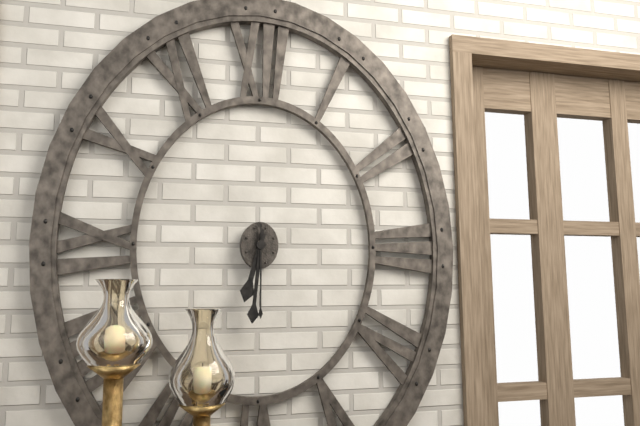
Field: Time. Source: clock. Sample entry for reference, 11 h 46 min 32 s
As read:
6 h 31 min 30 s
